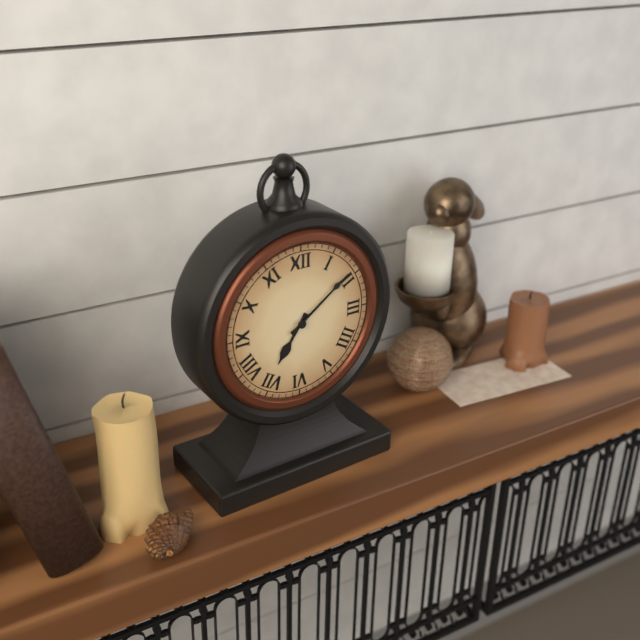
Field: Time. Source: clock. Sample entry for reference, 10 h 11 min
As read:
7 h 09 min
